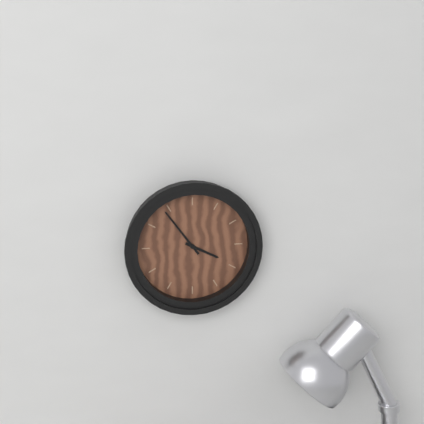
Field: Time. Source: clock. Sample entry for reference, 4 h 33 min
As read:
3 h 54 min
